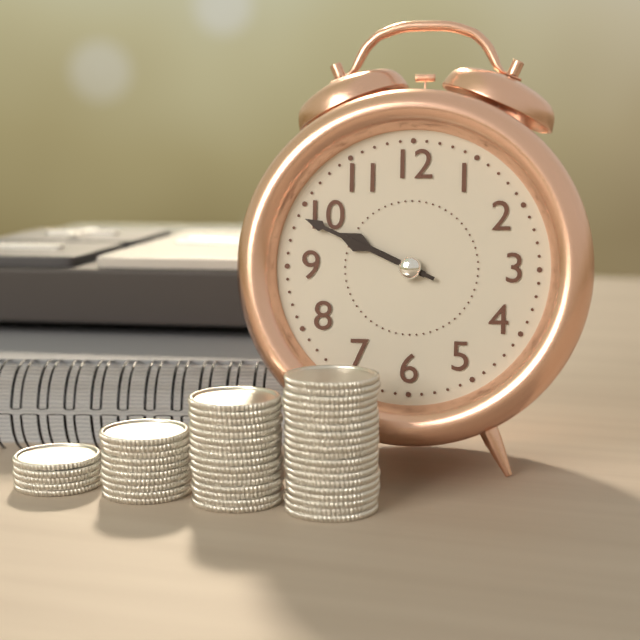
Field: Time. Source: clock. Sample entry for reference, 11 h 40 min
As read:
9 h 49 min
